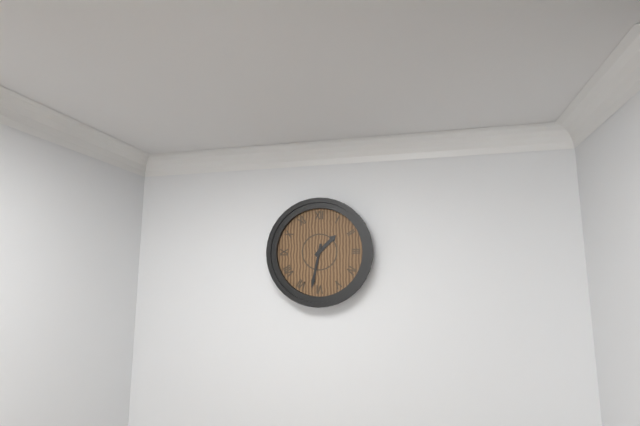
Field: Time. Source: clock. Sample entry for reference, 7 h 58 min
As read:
1 h 32 min
